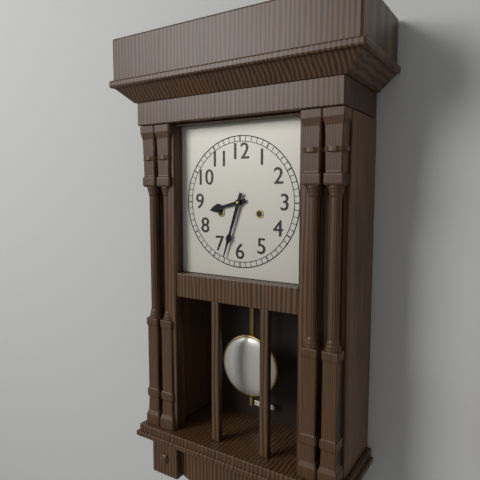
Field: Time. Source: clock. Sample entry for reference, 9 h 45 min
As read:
8 h 33 min
